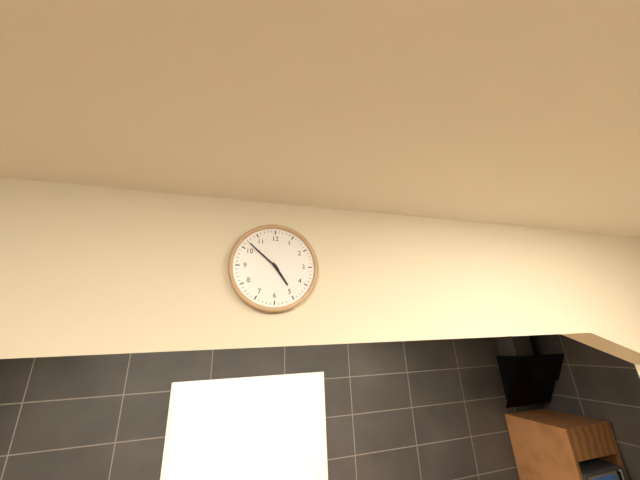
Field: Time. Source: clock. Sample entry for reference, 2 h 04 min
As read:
4 h 52 min
